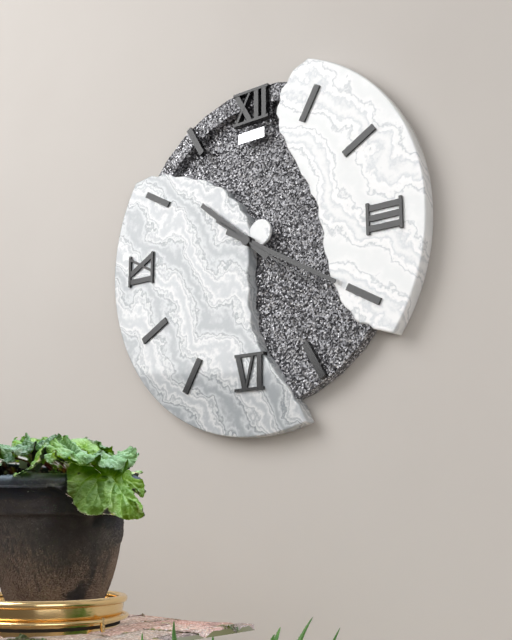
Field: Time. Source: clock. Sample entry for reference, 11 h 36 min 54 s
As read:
10 h 20 min 21 s
